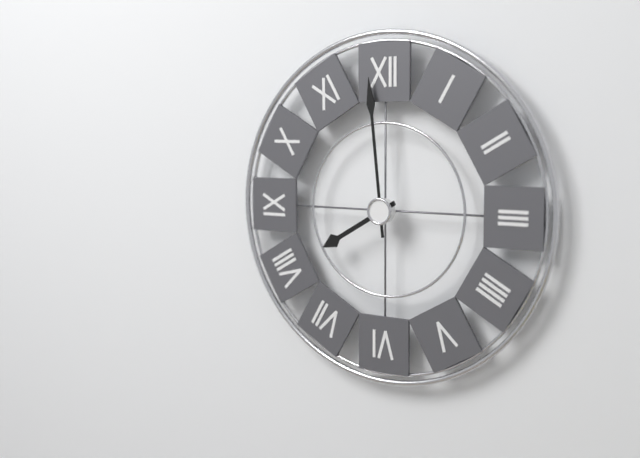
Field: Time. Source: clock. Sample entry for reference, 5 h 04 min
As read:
7 h 59 min
